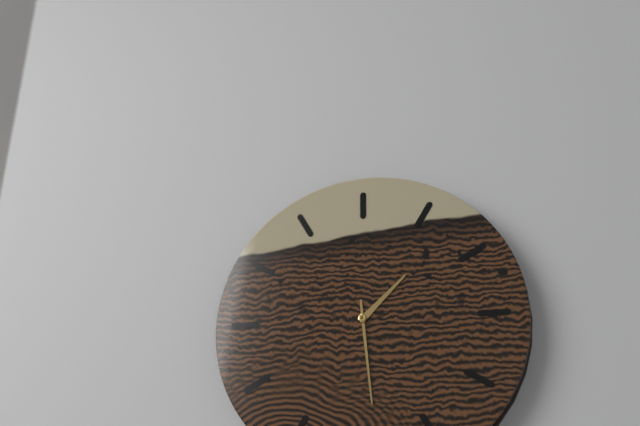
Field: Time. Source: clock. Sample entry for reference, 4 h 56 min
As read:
1 h 29 min
